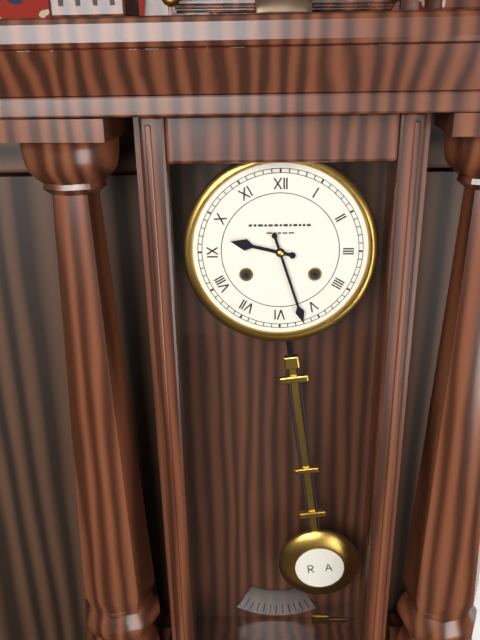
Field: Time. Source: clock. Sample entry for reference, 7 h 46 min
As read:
9 h 27 min
